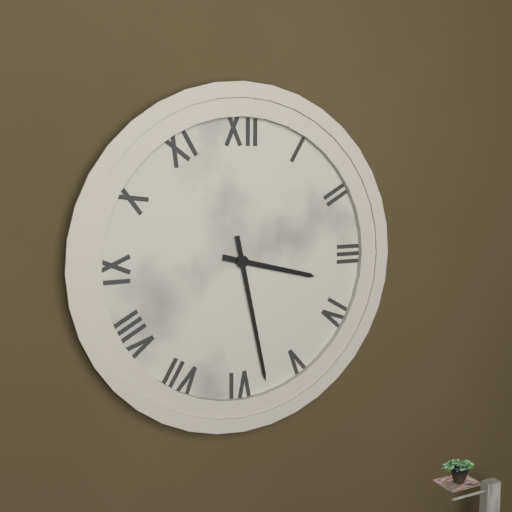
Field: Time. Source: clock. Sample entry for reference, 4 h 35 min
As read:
3 h 28 min
